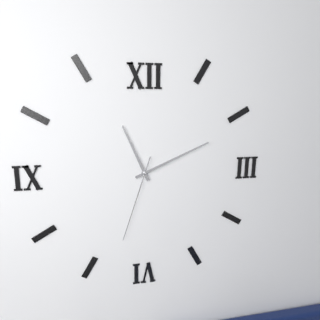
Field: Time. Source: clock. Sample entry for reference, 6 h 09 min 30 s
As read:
11 h 11 min 33 s
